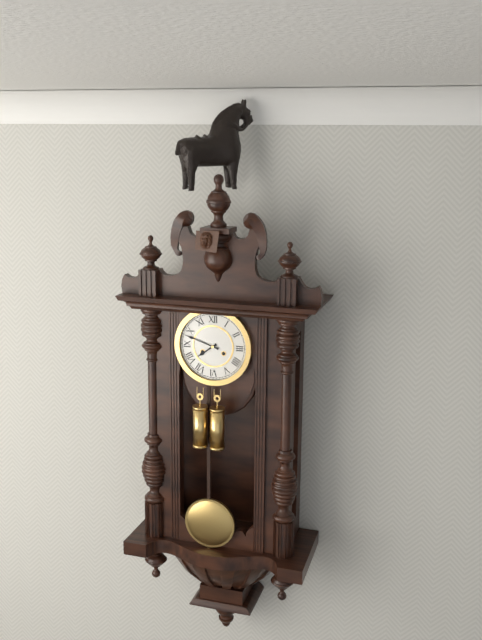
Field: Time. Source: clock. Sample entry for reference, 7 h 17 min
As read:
7 h 48 min
